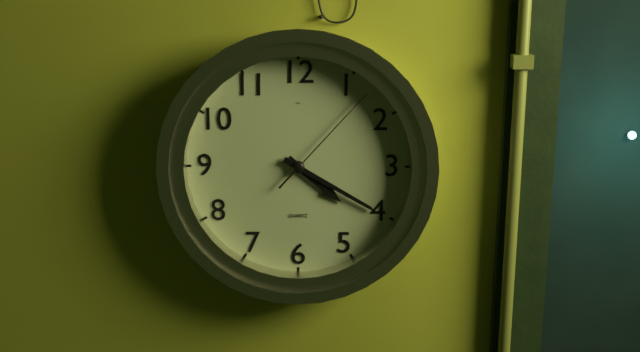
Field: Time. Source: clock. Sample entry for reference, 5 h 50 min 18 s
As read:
4 h 20 min 07 s
